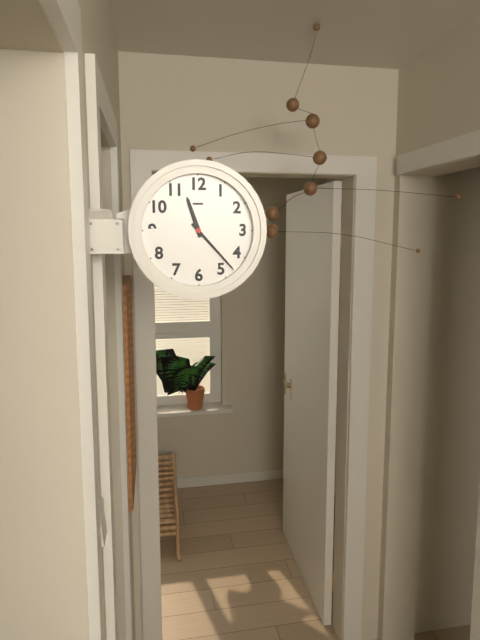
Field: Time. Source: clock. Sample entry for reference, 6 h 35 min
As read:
11 h 23 min
